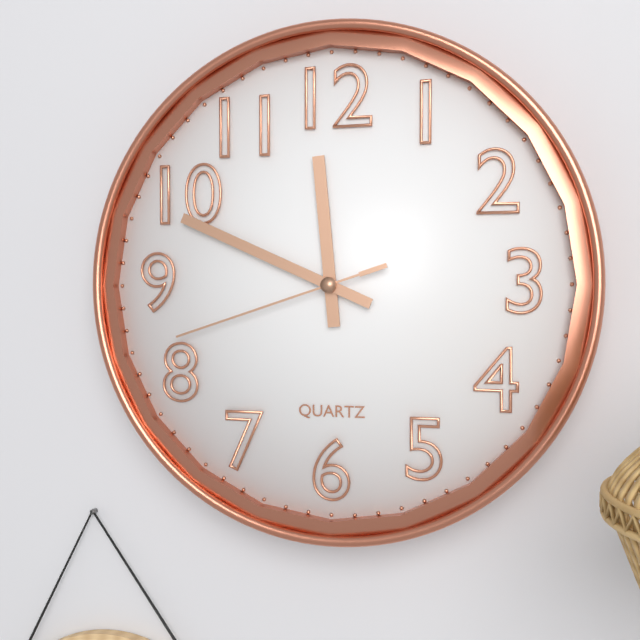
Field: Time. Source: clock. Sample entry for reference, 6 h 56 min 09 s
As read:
11 h 49 min 42 s
